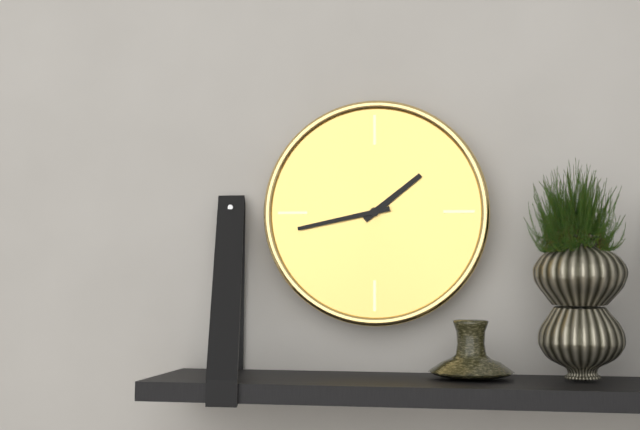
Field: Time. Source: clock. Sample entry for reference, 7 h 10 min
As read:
1 h 43 min
